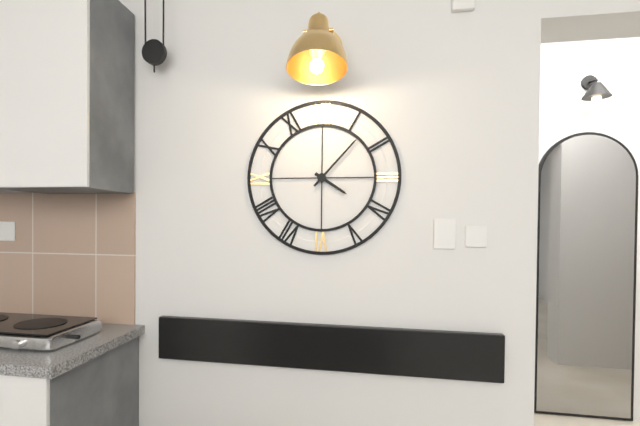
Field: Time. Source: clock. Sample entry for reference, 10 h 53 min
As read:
4 h 07 min
